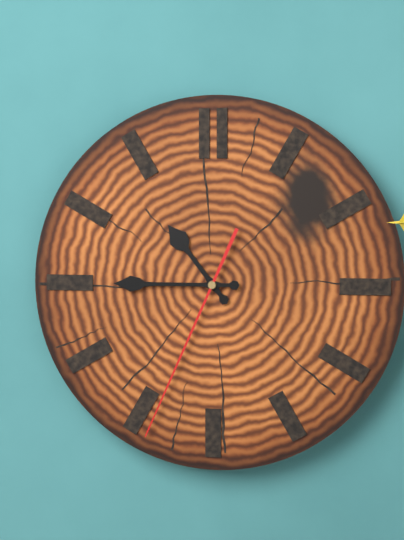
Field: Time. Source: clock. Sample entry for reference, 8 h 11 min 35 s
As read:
10 h 45 min 34 s
